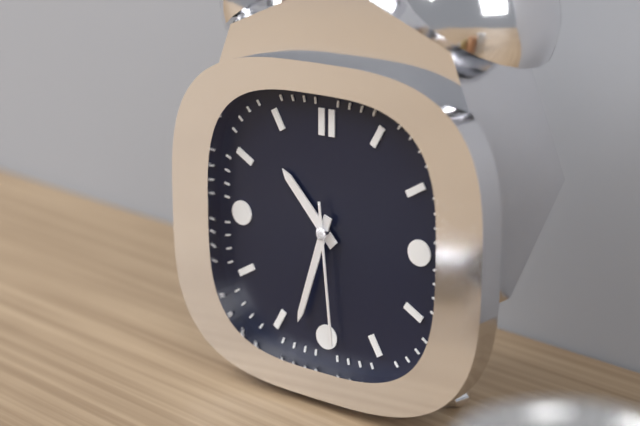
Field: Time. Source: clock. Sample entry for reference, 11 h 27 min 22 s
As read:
10 h 33 min 29 s
